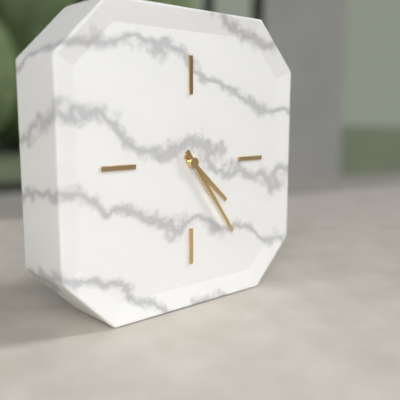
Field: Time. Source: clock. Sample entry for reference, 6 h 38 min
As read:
4 h 24 min
